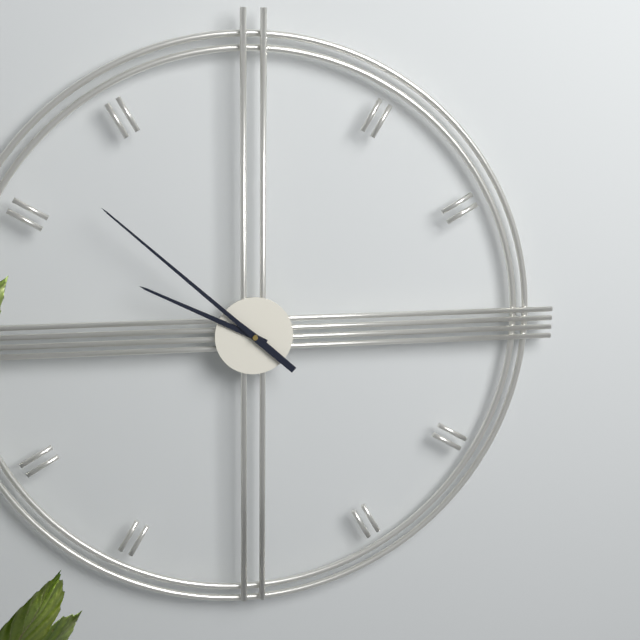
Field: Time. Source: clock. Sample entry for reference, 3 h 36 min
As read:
9 h 52 min
